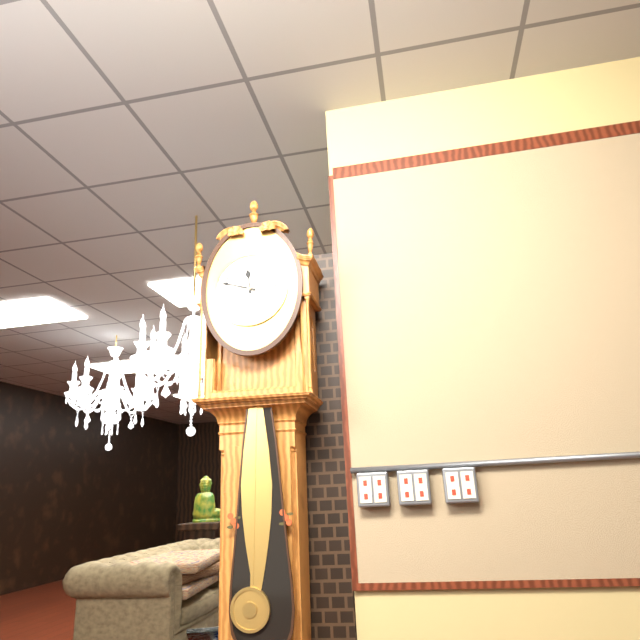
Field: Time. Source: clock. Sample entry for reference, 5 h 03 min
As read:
11 h 48 min
